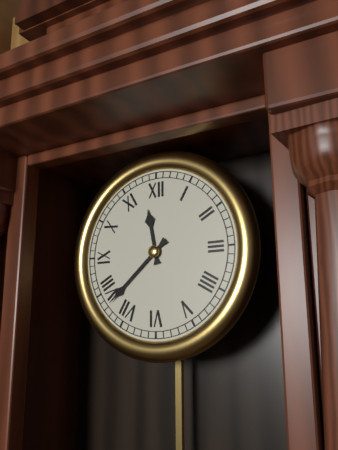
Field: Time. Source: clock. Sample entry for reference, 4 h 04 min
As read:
11 h 38 min
